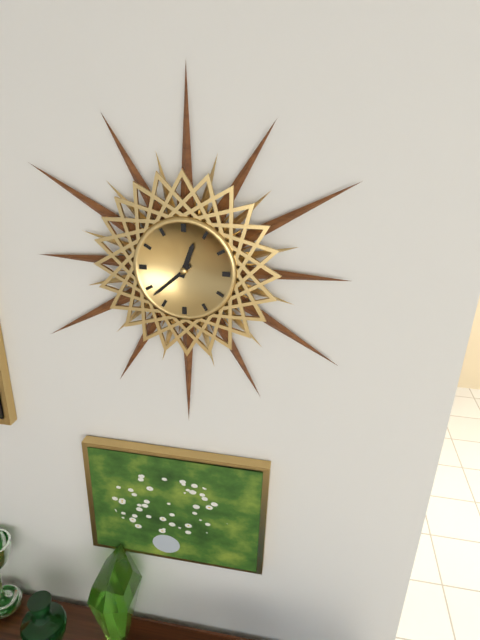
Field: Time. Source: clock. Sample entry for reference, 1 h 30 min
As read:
12 h 38 min
